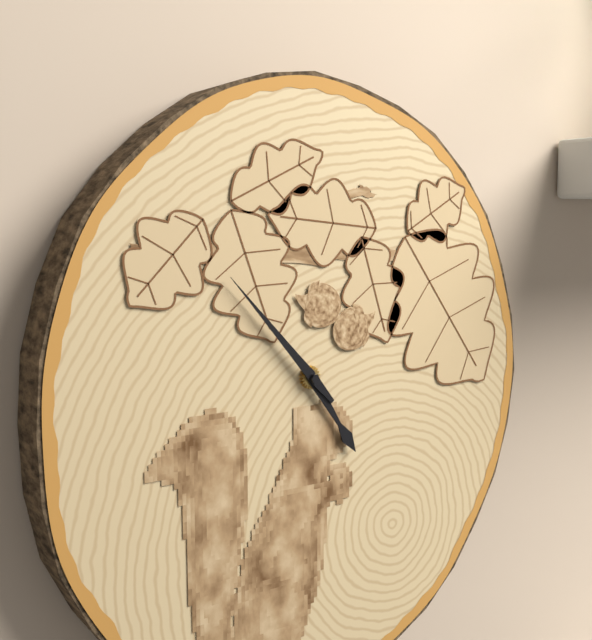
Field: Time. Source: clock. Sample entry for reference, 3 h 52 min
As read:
4 h 53 min
